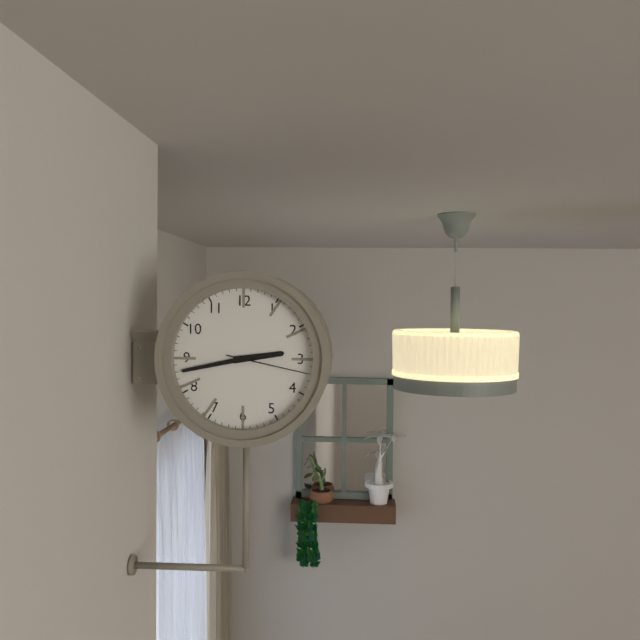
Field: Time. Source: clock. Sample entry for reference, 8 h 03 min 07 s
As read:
2 h 43 min 17 s
